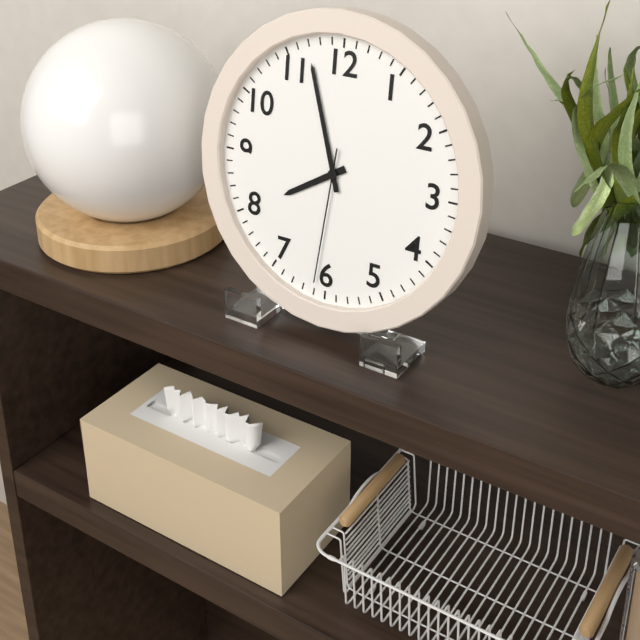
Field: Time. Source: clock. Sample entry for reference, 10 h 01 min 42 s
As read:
7 h 57 min 31 s
